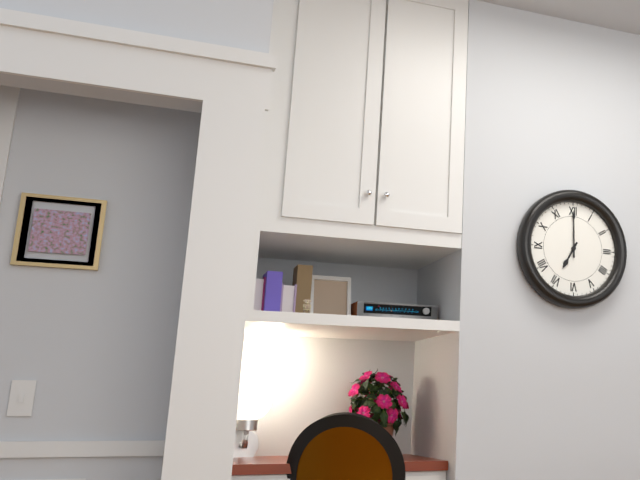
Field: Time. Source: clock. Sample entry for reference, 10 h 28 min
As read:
7 h 00 min
